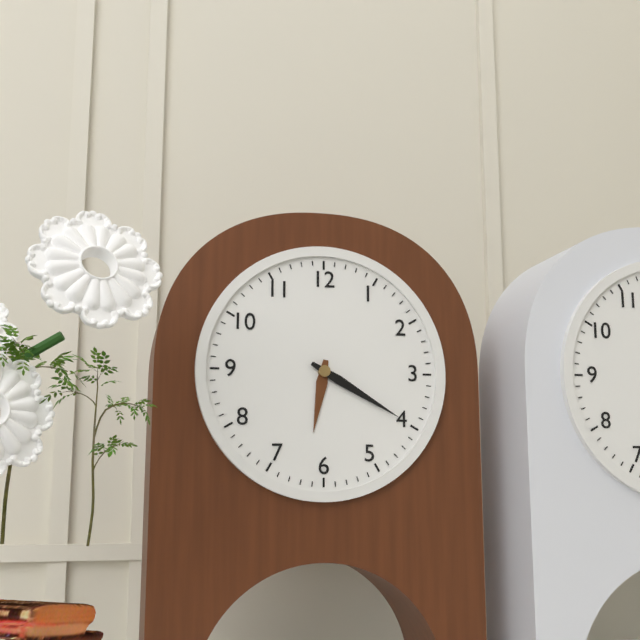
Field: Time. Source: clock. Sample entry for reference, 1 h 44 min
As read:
6 h 20 min
